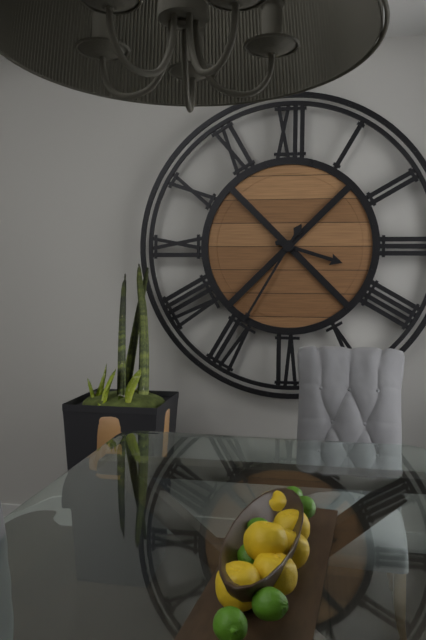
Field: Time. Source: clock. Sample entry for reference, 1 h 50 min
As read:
3 h 35 min
